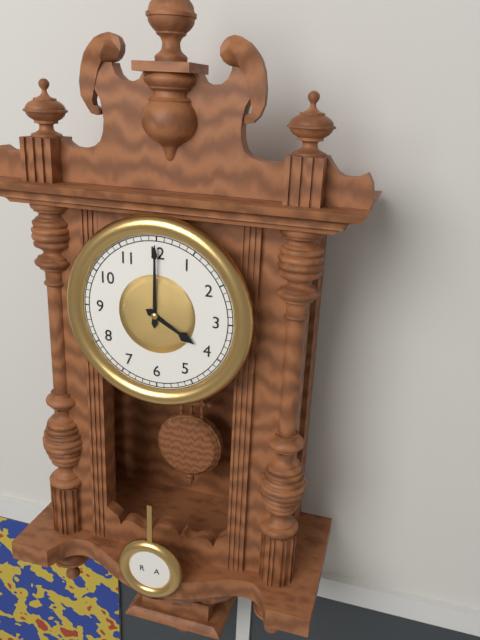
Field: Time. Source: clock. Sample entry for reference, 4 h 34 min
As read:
4 h 00 min
